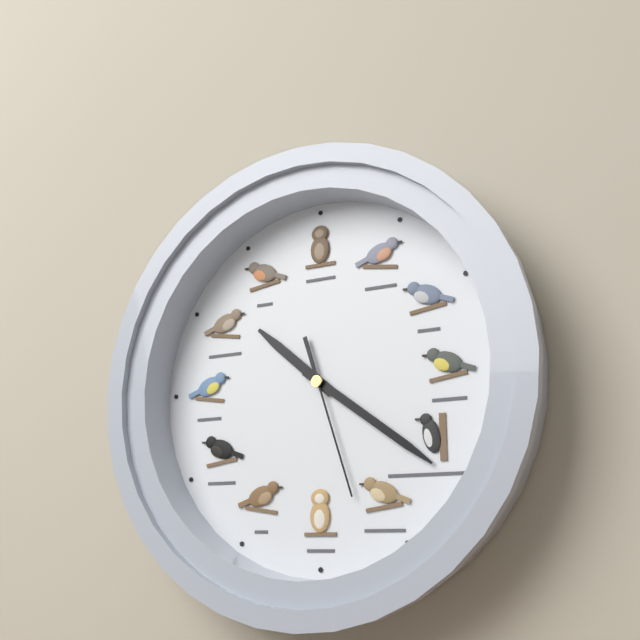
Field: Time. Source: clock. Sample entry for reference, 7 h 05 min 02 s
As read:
10 h 21 min 27 s
